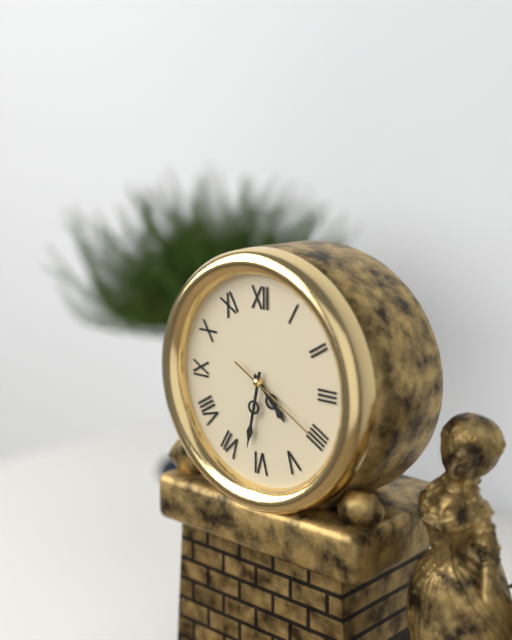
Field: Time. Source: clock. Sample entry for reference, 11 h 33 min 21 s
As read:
4 h 32 min 20 s
